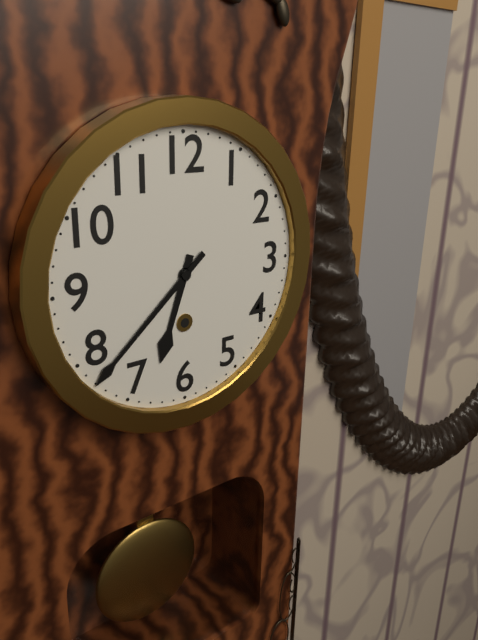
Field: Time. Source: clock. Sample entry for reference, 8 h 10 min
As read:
6 h 38 min
